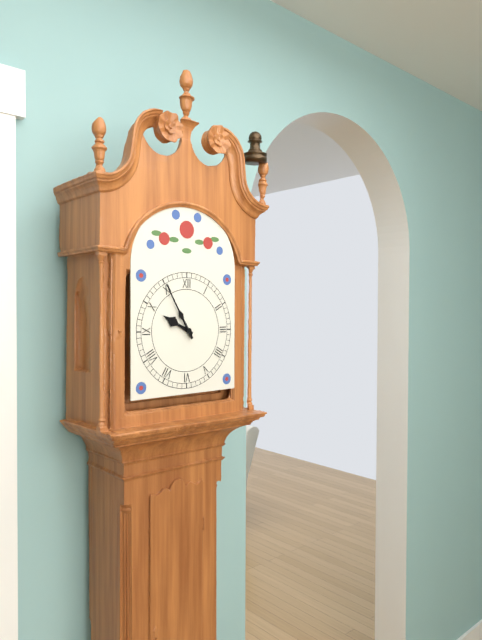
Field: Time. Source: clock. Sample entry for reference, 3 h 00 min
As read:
9 h 55 min
